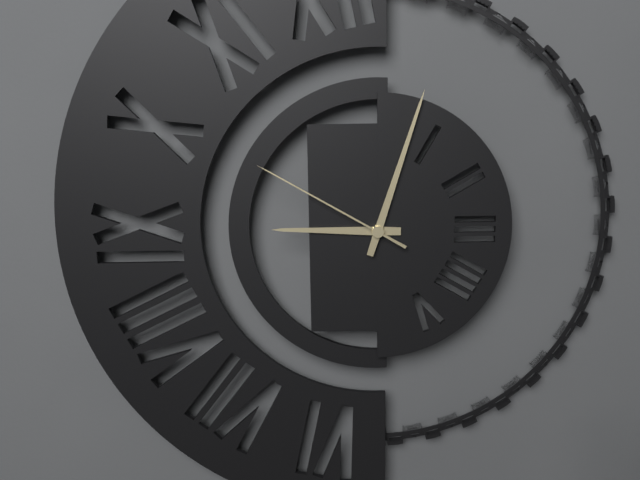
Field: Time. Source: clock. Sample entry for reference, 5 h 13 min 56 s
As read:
9 h 03 min 50 s
